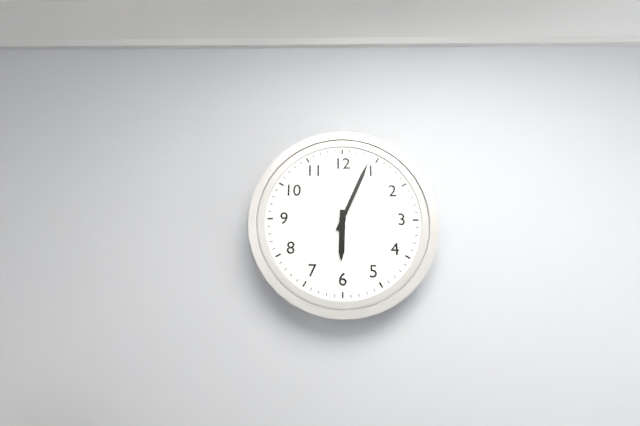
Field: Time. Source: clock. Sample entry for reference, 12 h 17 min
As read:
6 h 04 min
